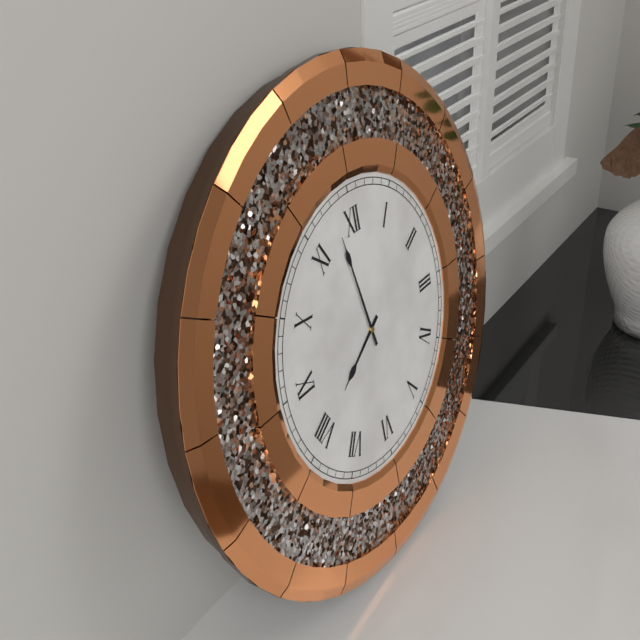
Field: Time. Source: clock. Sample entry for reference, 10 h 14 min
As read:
7 h 58 min
